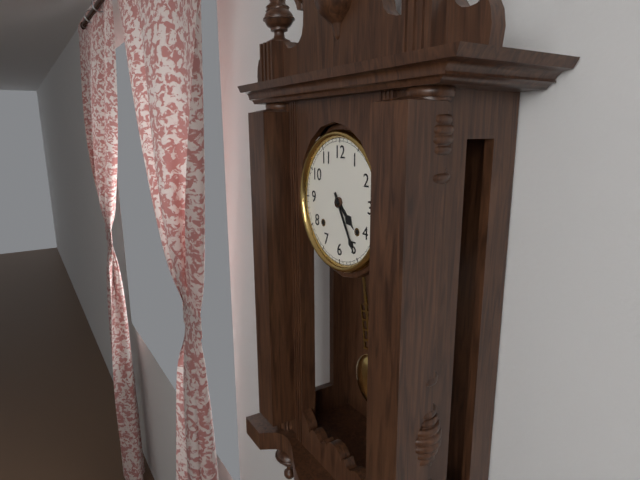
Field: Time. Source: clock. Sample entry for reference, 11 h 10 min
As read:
4 h 25 min
